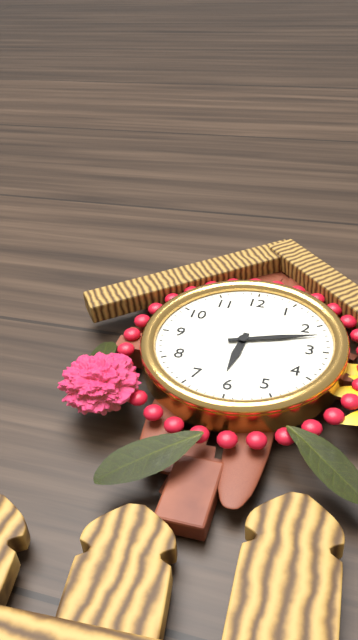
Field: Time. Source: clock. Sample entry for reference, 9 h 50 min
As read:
6 h 12 min
